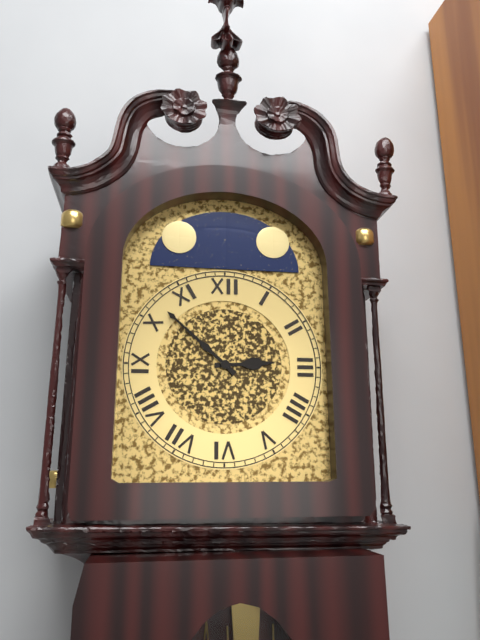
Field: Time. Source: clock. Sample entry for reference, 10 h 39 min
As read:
2 h 52 min
